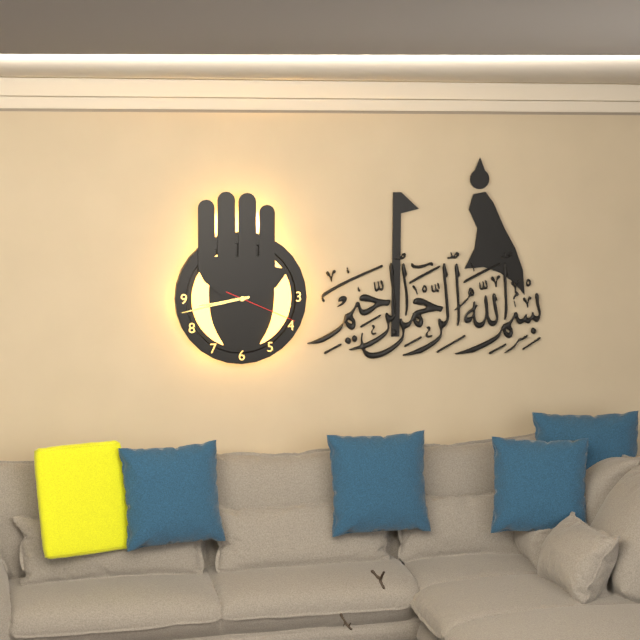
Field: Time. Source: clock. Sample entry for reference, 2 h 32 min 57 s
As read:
8 h 43 min 19 s
